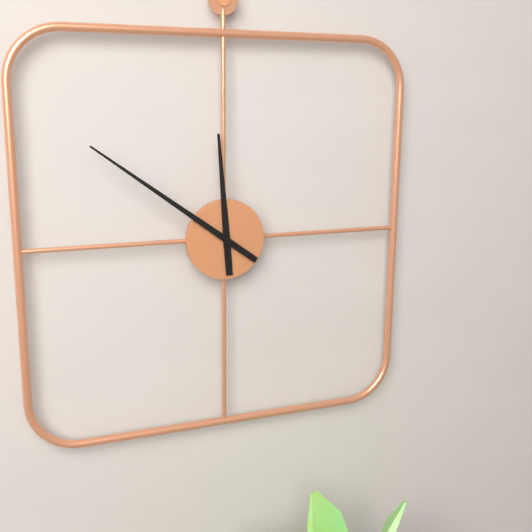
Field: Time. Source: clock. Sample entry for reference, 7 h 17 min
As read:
11 h 51 min
